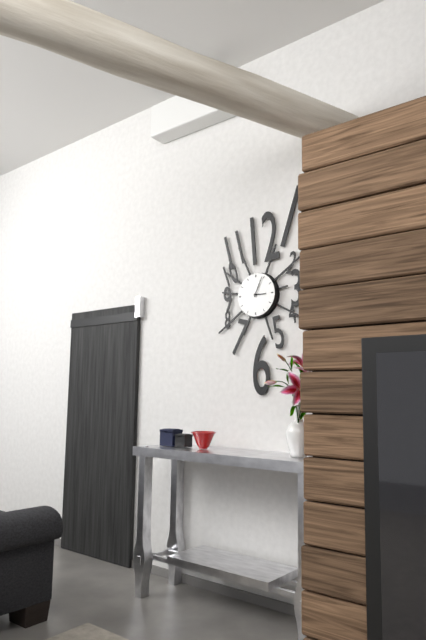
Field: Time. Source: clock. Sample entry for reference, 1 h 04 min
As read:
3 h 04 min
